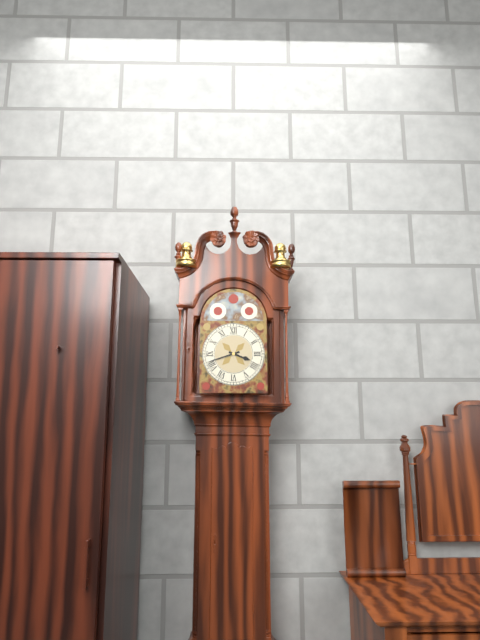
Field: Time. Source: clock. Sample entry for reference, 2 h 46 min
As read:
3 h 42 min
